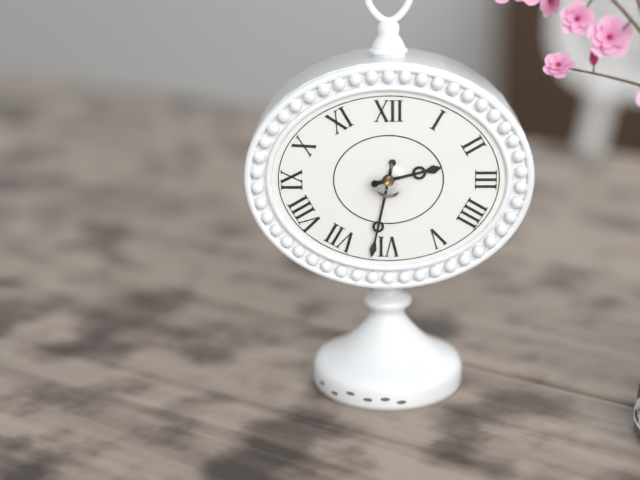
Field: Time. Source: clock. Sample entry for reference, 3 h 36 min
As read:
2 h 32 min
